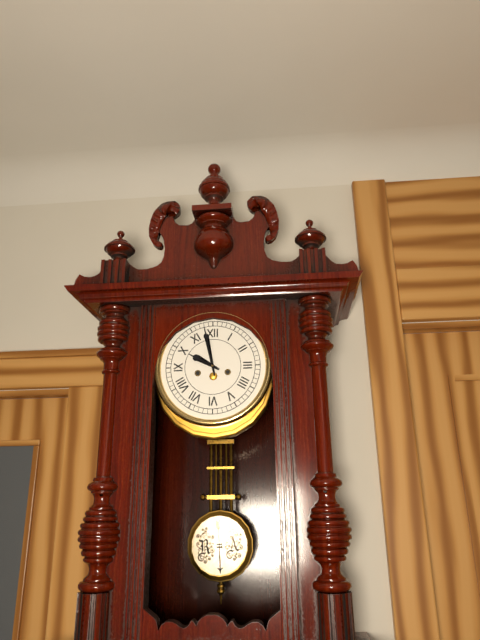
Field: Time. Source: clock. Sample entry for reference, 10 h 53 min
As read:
9 h 58 min
